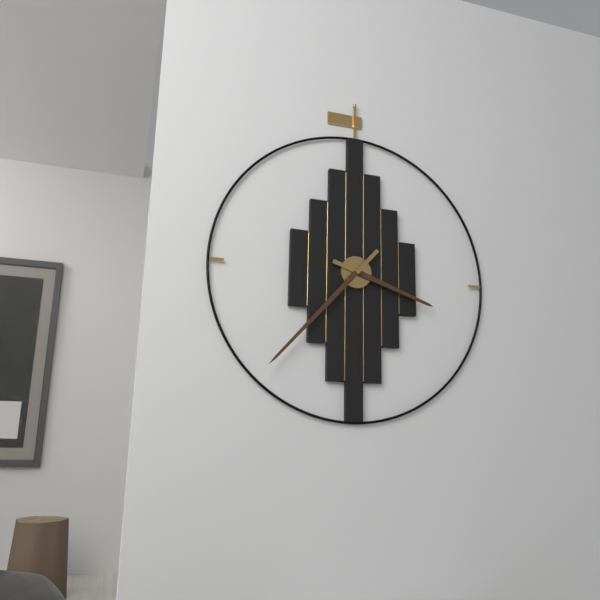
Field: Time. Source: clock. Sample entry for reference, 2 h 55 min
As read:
3 h 37 min
